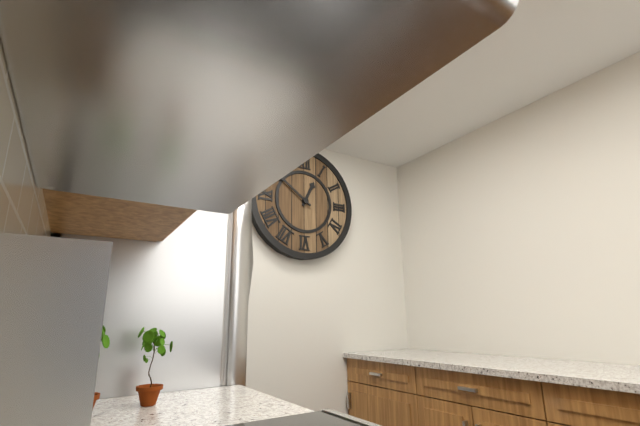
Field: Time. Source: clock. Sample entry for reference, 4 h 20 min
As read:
12 h 51 min
